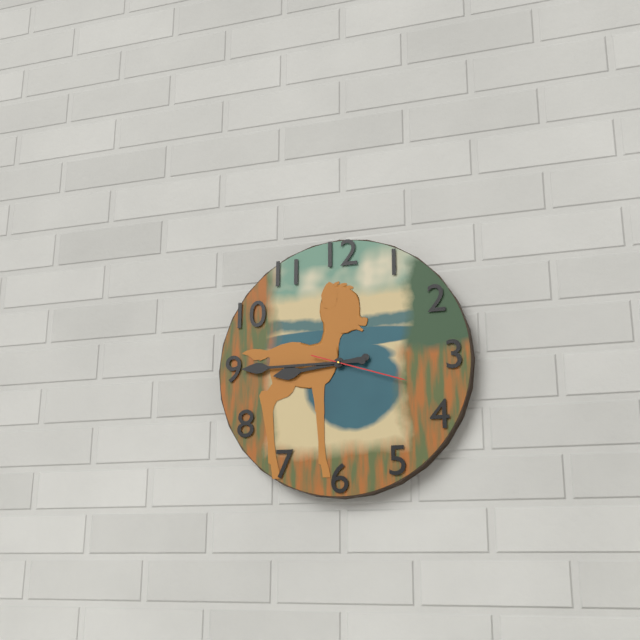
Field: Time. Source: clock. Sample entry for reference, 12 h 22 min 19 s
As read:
8 h 45 min 18 s
